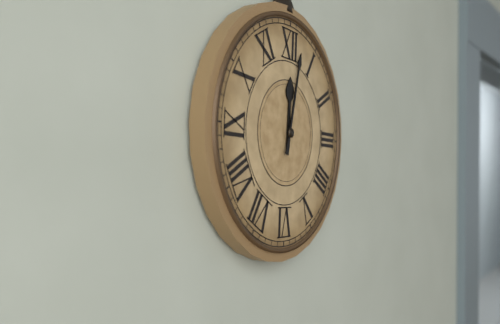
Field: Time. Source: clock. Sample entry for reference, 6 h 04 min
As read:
12 h 02 min
